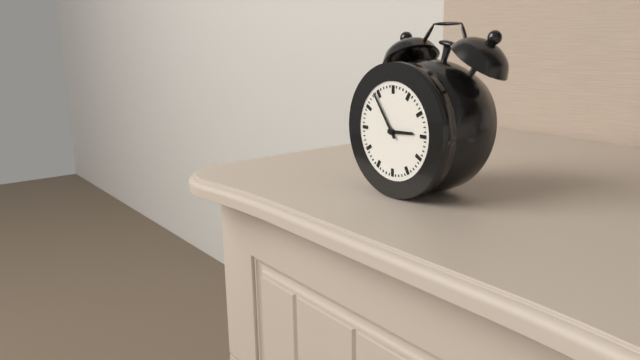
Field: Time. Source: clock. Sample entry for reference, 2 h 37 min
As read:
2 h 54 min
